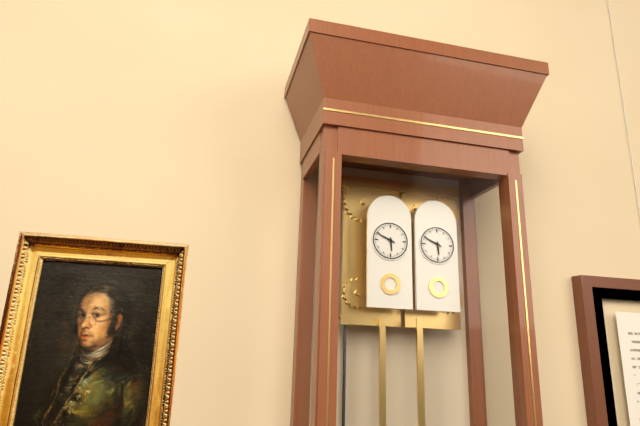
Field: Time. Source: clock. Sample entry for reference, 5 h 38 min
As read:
5 h 49 min
